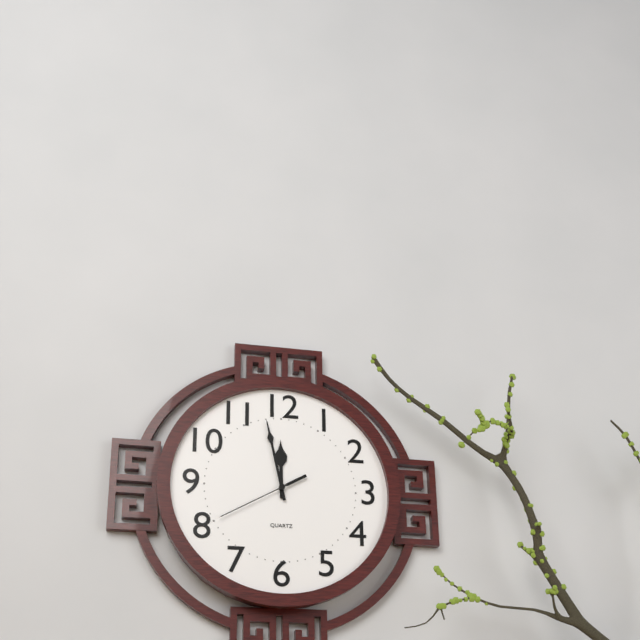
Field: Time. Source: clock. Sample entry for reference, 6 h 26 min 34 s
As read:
11 h 58 min 40 s
